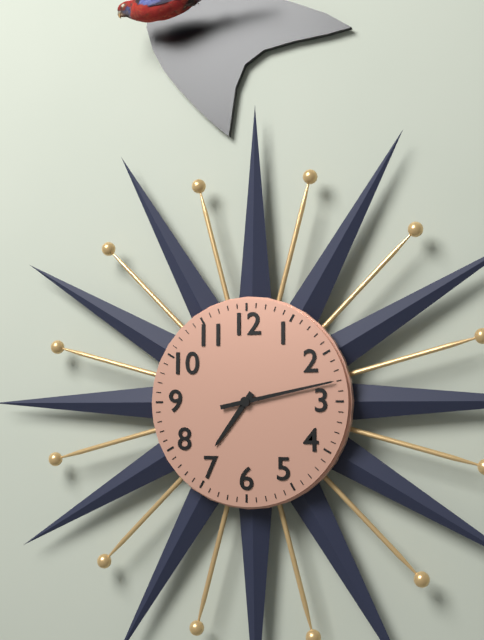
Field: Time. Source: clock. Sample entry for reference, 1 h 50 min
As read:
7 h 13 min
